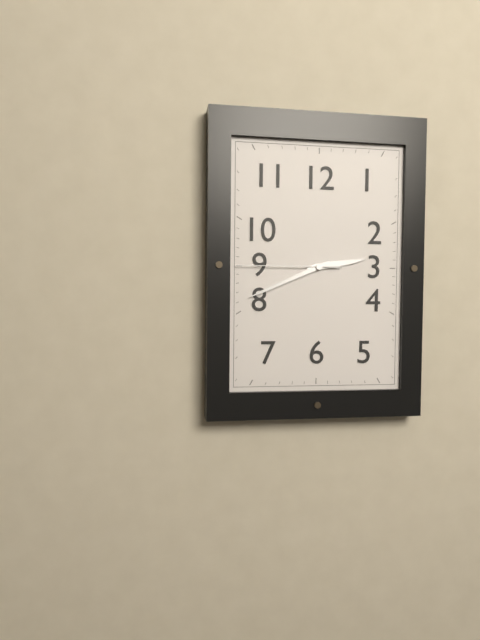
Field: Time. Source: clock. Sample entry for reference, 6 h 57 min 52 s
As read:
2 h 41 min 45 s
